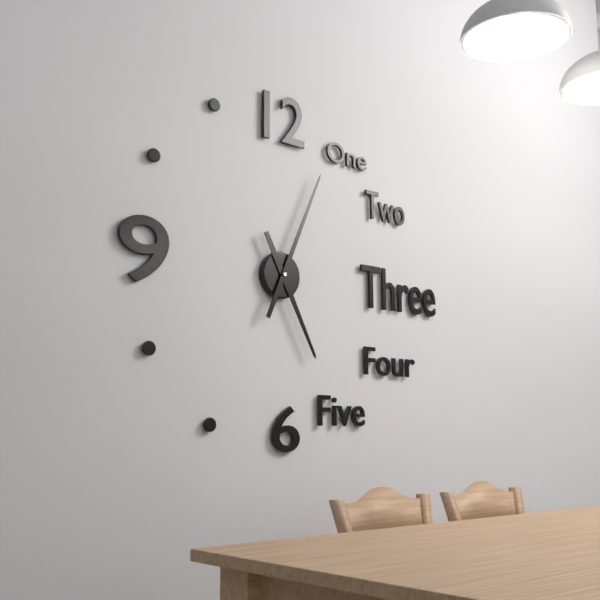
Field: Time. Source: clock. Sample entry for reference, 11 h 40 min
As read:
5 h 04 min
